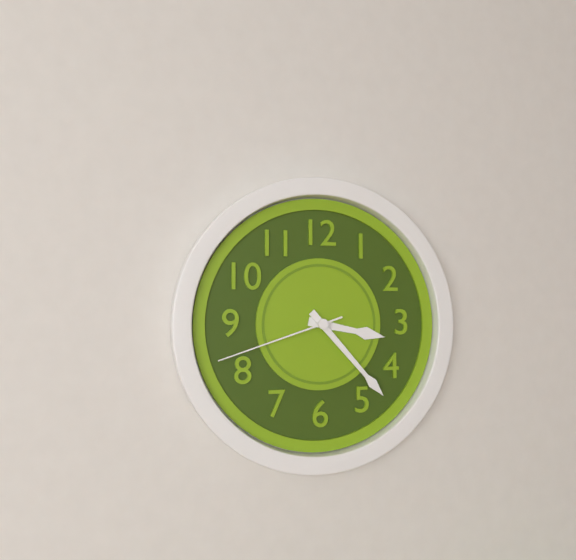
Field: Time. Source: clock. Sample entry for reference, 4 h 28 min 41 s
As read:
3 h 23 min 42 s
